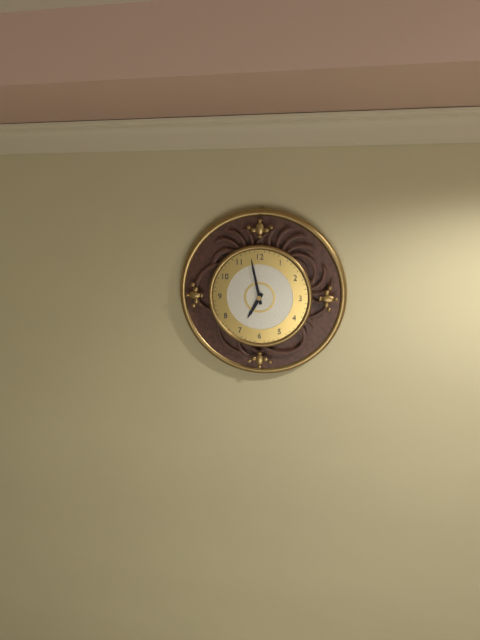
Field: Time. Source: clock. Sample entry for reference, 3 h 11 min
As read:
6 h 58 min
